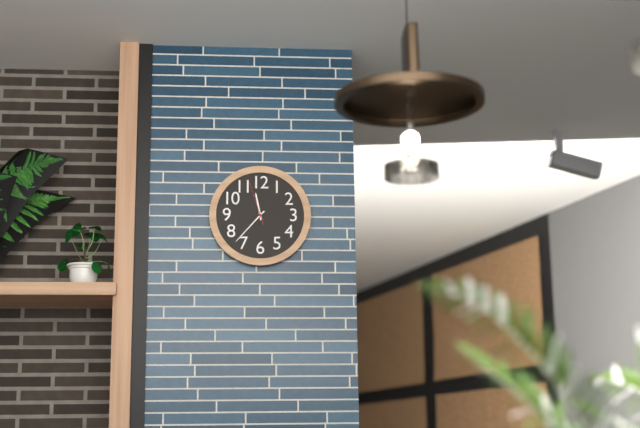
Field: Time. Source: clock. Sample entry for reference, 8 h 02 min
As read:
11 h 37 min
